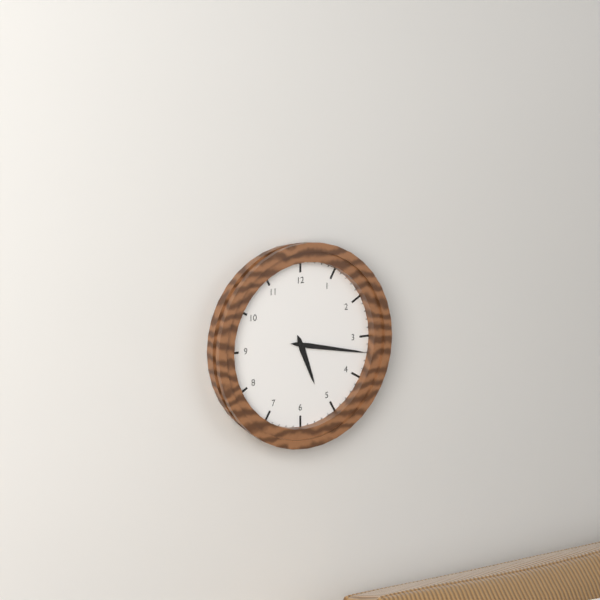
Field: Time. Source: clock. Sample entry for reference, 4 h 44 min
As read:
5 h 17 min
